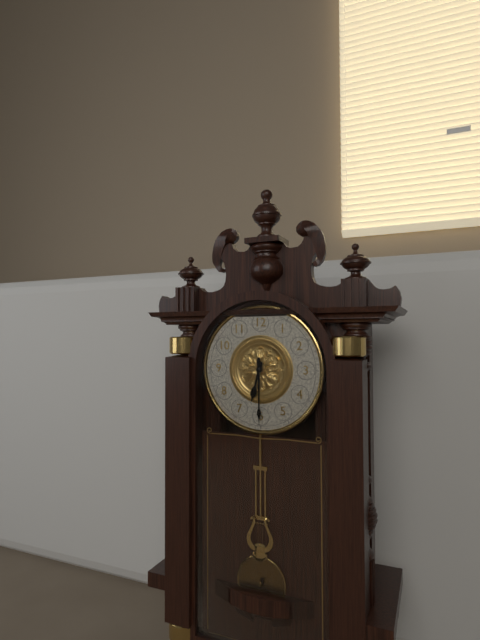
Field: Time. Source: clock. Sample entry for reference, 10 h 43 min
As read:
6 h 30 min
